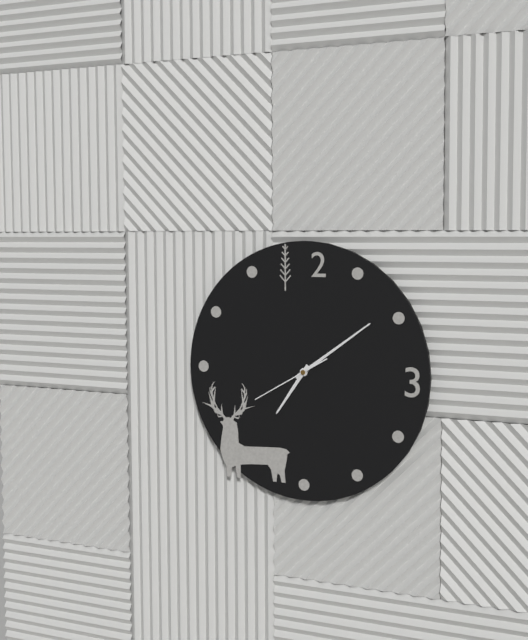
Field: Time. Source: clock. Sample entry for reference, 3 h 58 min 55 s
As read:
7 h 09 min 40 s
